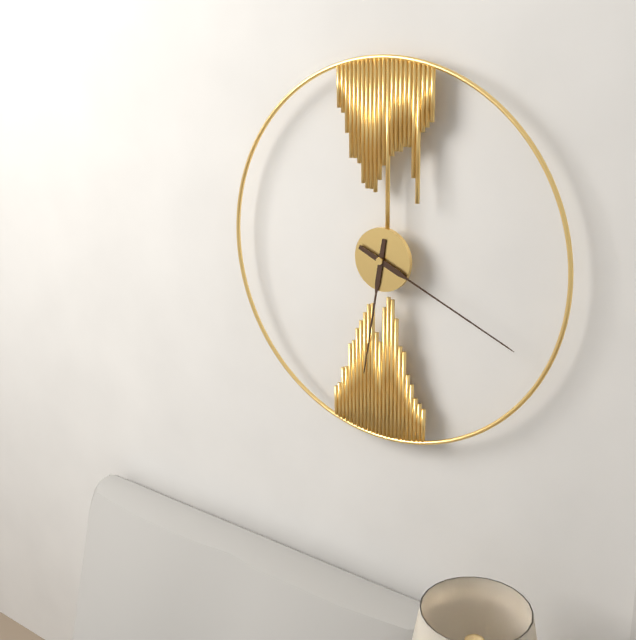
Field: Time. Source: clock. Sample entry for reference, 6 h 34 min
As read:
6 h 19 min
